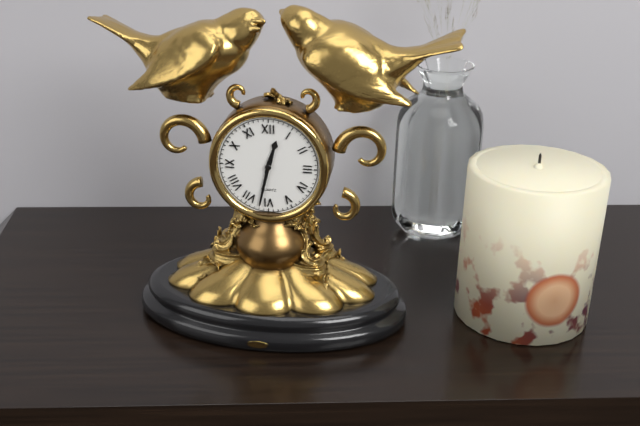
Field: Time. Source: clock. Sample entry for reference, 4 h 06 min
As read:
12 h 32 min
